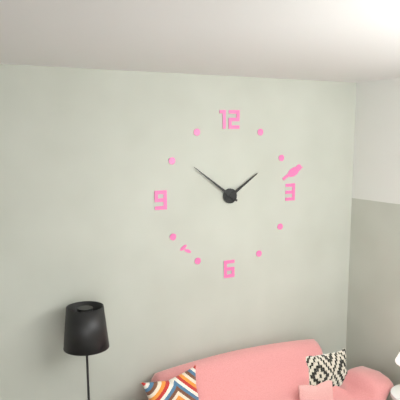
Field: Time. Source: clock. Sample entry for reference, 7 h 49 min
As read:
1 h 51 min
